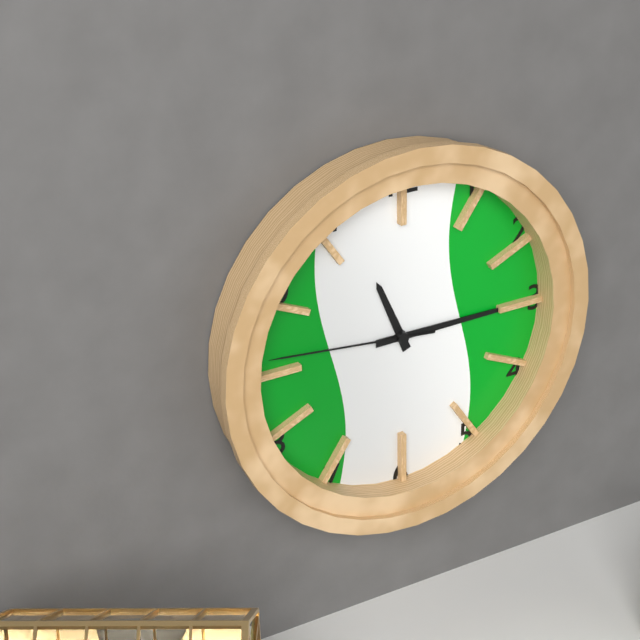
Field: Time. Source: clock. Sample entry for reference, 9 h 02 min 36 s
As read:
11 h 15 min 46 s
